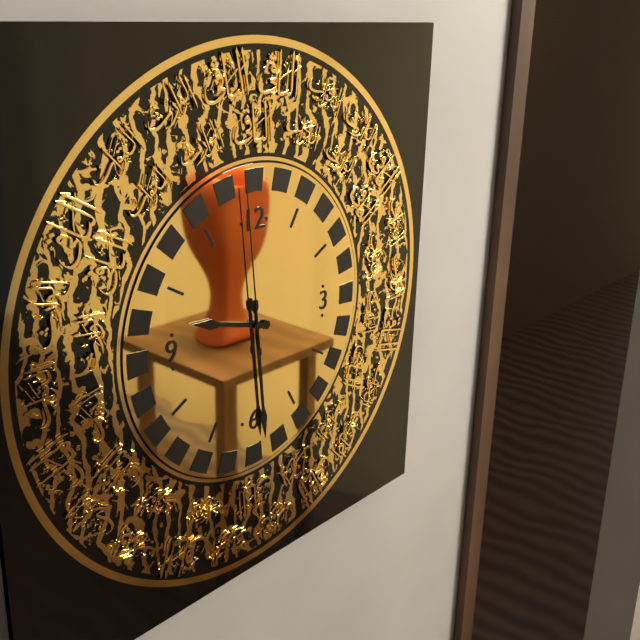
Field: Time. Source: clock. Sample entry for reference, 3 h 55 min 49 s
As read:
9 h 29 min 59 s
